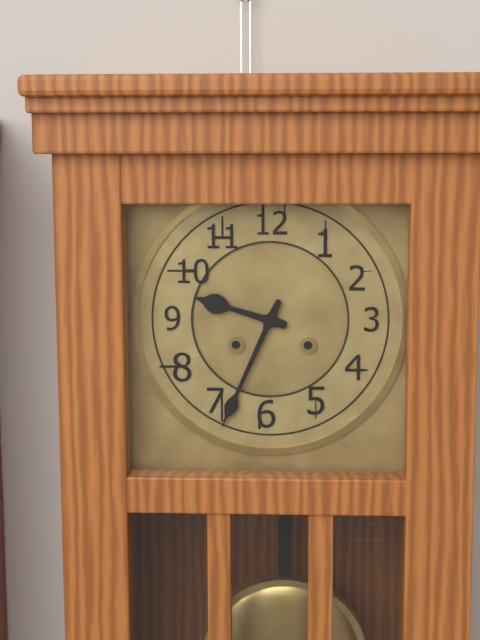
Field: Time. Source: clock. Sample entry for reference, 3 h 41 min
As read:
9 h 34 min
